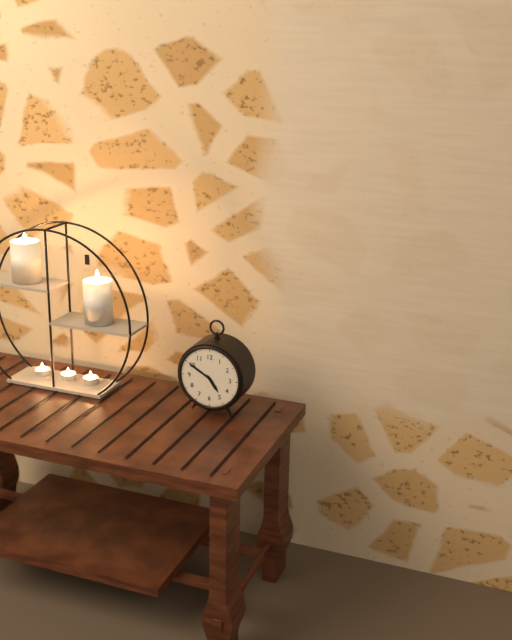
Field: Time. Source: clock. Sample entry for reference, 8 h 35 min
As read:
4 h 50 min
